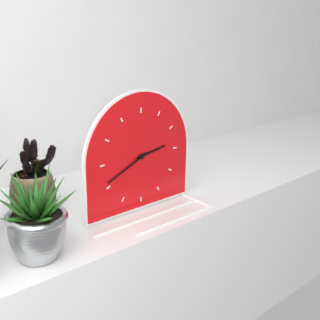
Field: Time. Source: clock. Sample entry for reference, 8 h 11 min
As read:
2 h 41 min
